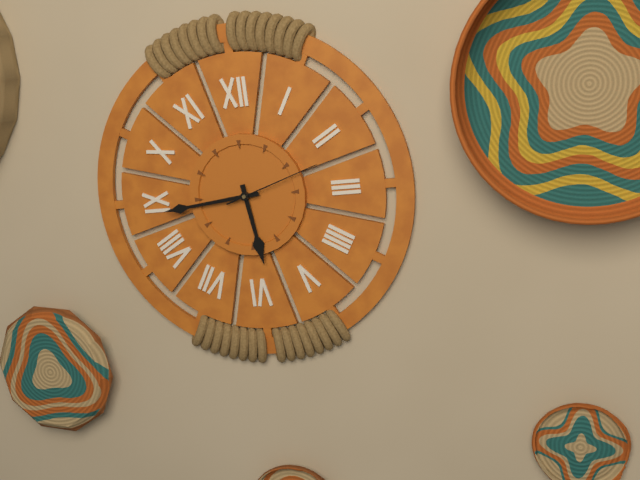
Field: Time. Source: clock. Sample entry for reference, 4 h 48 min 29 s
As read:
5 h 44 min 12 s
